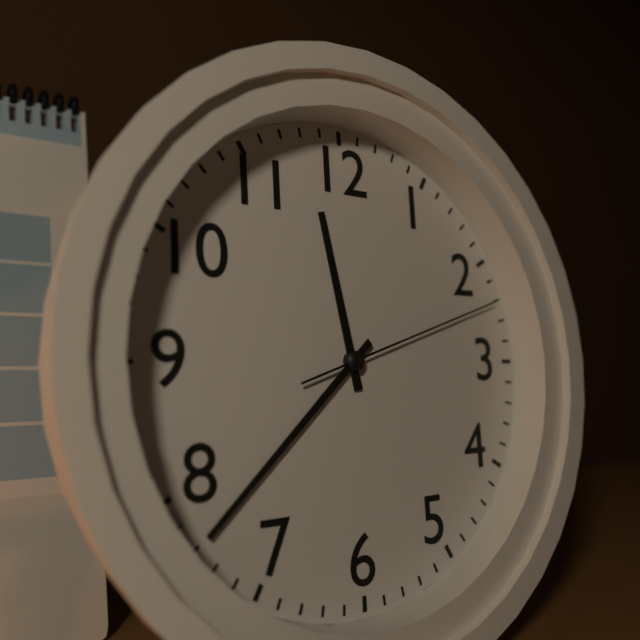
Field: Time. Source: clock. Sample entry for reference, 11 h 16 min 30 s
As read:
11 h 38 min 12 s
